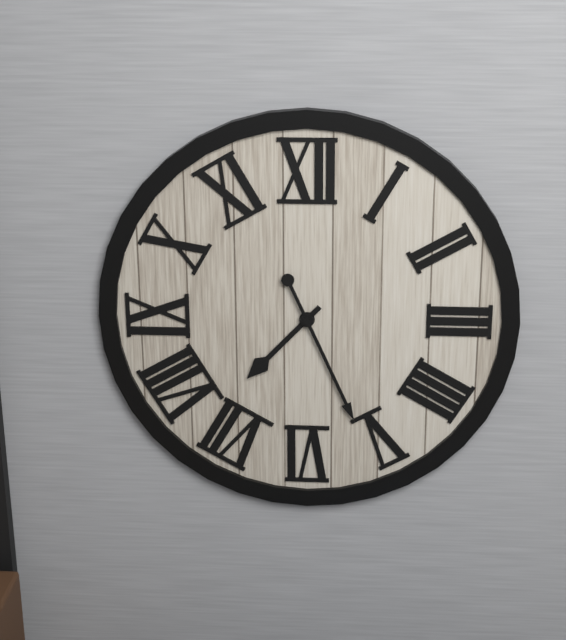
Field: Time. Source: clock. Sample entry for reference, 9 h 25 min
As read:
7 h 26 min
